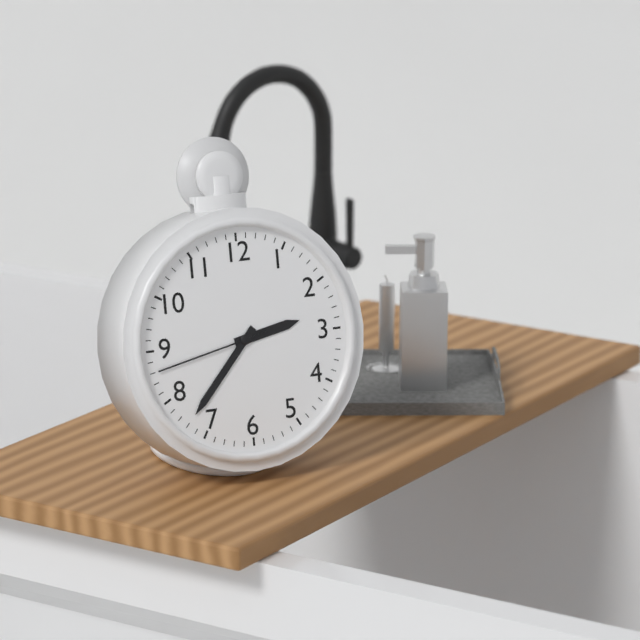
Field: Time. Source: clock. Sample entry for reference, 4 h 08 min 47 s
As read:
2 h 37 min 43 s
